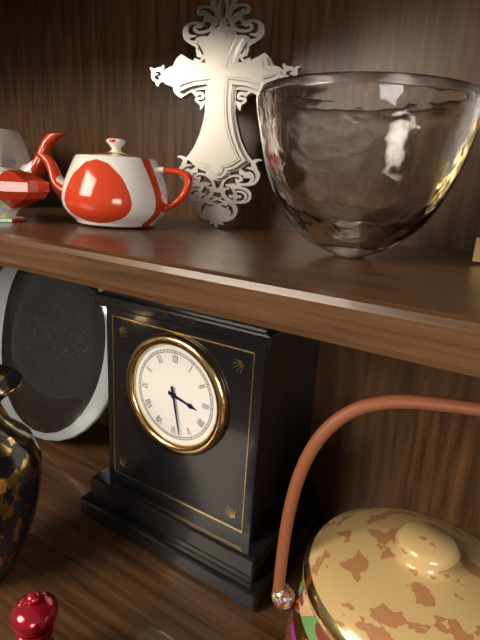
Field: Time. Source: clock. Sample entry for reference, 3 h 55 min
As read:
3 h 28 min
